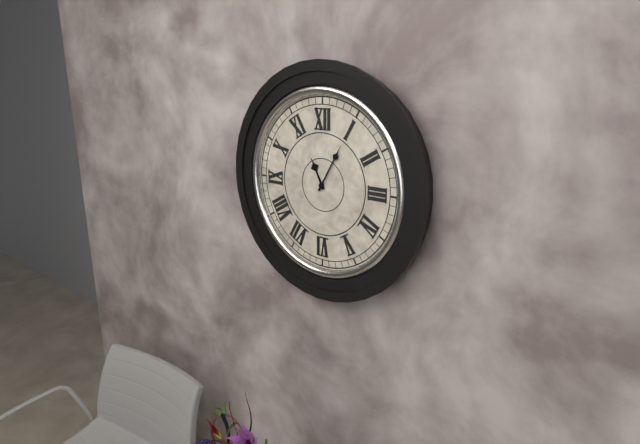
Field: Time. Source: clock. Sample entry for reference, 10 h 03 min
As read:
11 h 05 min
